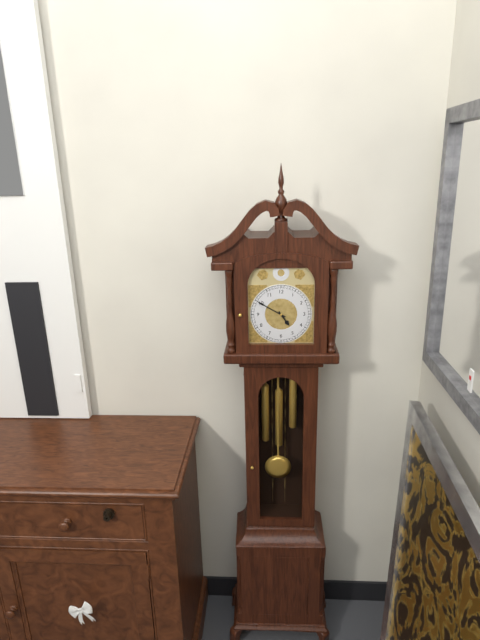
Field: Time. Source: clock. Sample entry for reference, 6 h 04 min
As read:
4 h 50 min
